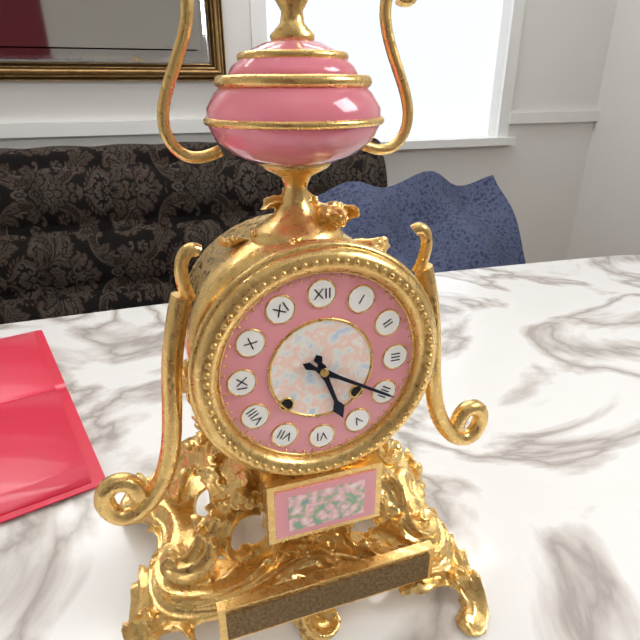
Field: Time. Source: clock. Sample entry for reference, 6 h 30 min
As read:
5 h 20 min
